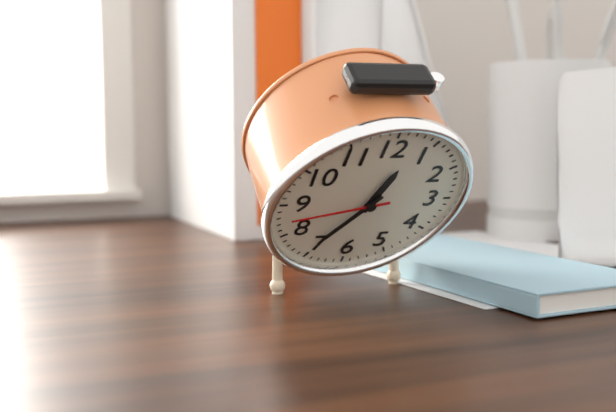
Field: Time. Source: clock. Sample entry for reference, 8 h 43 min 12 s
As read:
12 h 36 min 43 s
